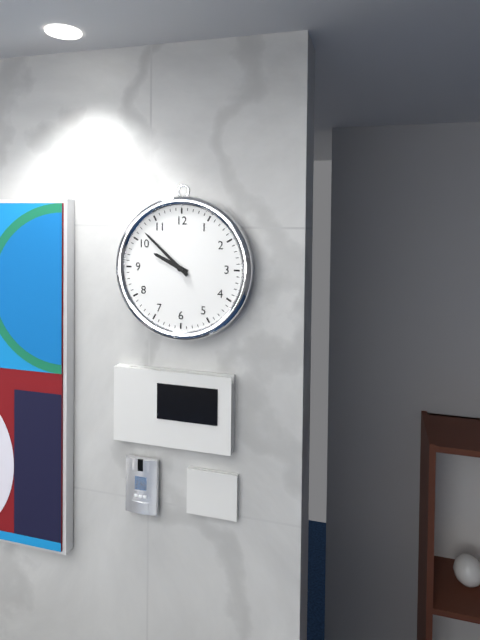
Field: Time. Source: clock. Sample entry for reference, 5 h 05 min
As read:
9 h 52 min
